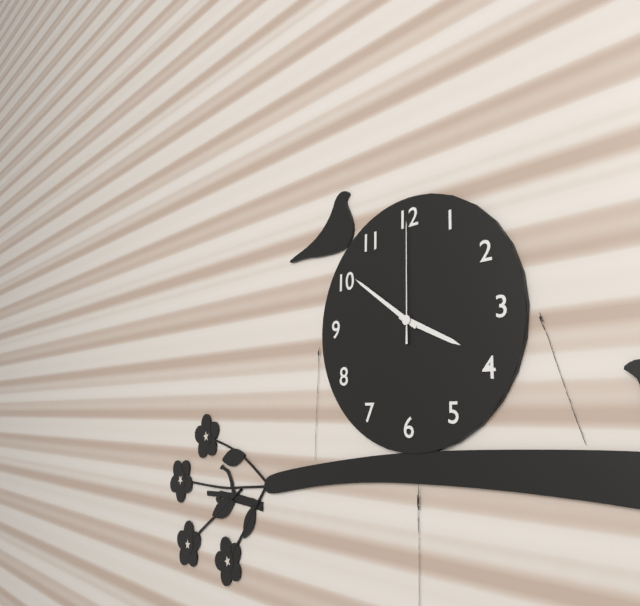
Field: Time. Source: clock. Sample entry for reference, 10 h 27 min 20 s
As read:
3 h 51 min 00 s
